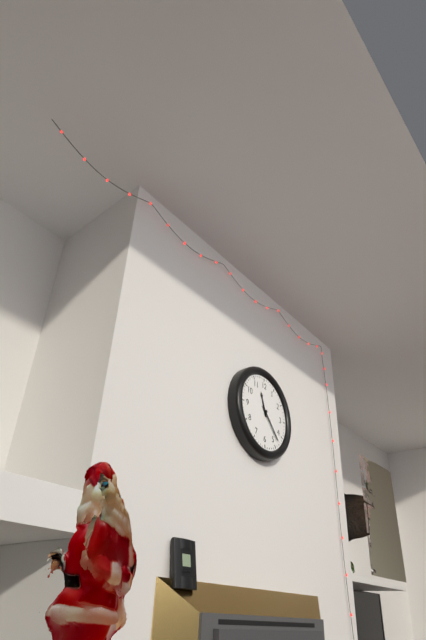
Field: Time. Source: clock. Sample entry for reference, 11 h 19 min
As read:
11 h 23 min
